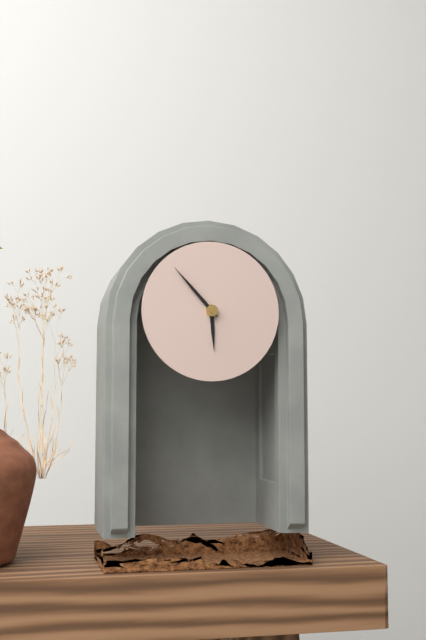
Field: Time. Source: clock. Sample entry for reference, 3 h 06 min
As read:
5 h 53 min
